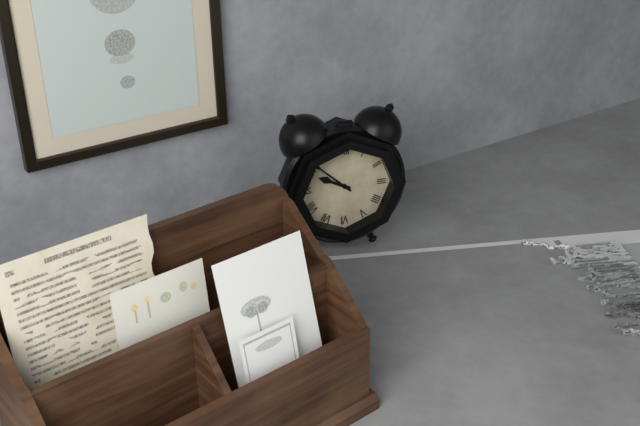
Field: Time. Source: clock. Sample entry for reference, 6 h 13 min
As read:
9 h 52 min
